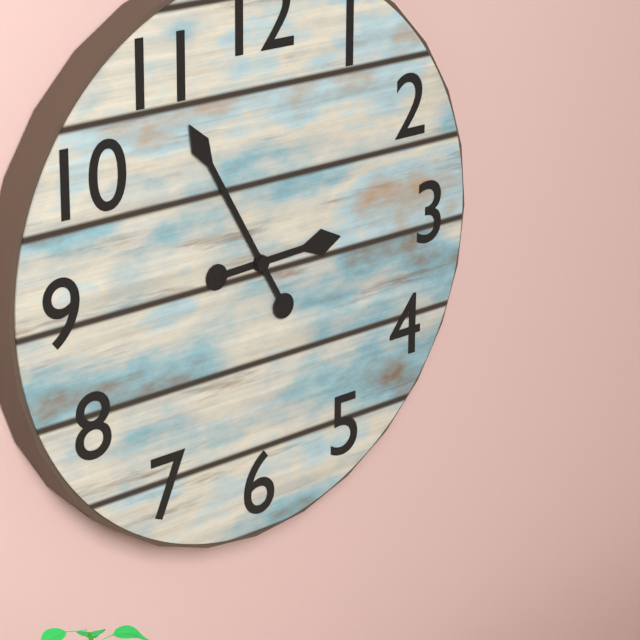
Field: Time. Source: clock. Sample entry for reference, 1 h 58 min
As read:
2 h 55 min
